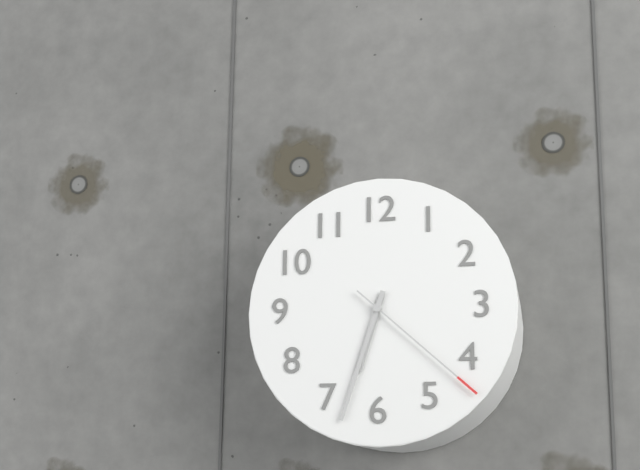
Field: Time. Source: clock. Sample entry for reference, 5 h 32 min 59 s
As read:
6 h 33 min 22 s
